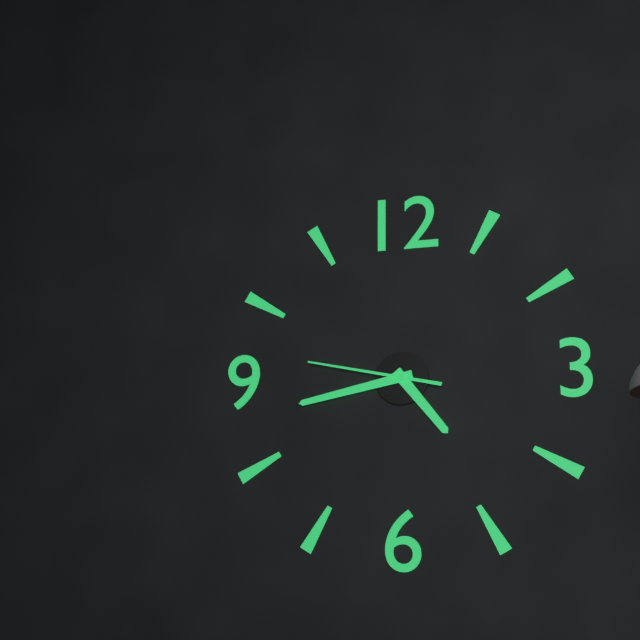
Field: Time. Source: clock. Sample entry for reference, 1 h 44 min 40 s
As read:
4 h 43 min 47 s
